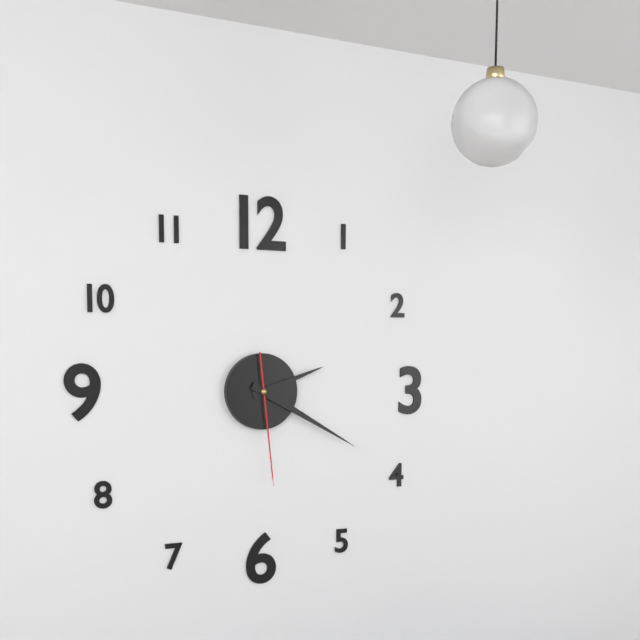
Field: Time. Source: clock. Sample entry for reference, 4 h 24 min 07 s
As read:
2 h 20 min 29 s
